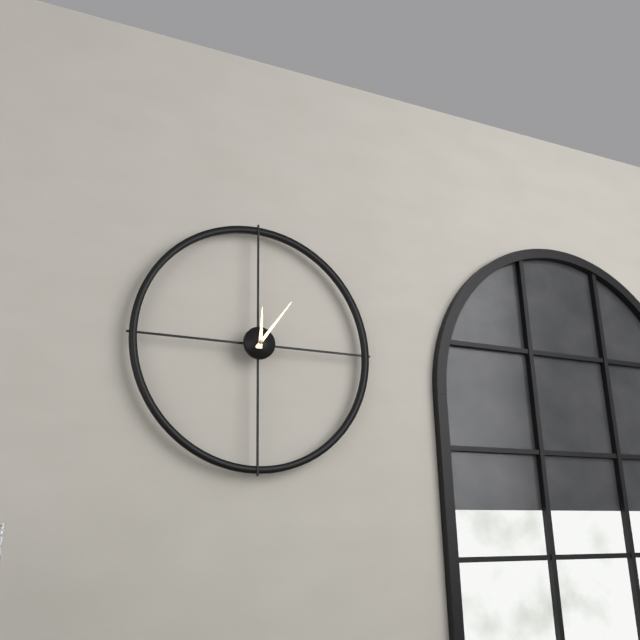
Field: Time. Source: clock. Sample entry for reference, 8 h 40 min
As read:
12 h 06 min
